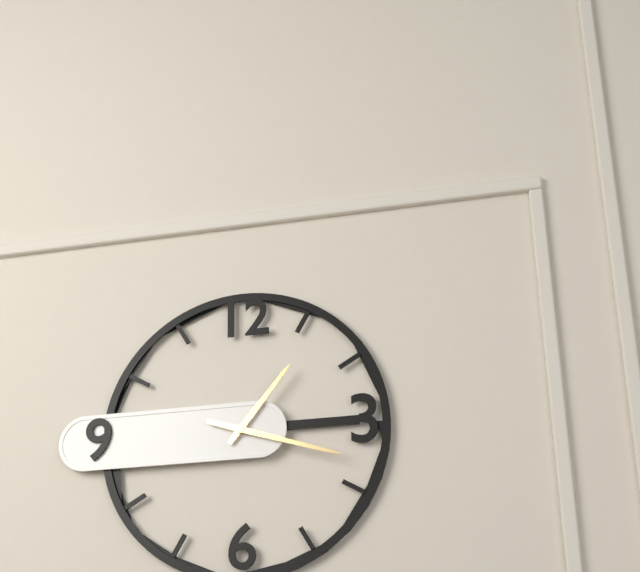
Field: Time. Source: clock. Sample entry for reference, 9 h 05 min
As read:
1 h 18 min
